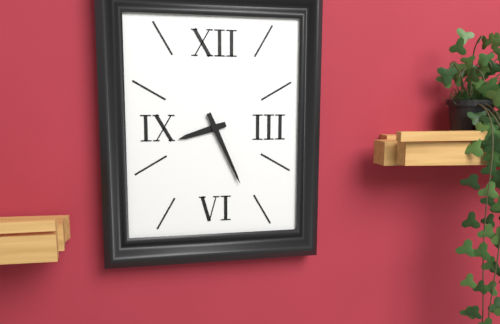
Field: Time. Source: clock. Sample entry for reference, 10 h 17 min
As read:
8 h 26 min
